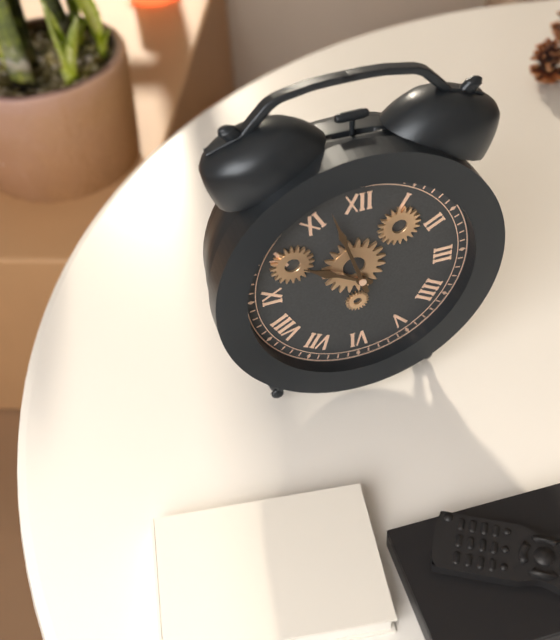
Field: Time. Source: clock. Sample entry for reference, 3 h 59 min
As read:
9 h 57 min
